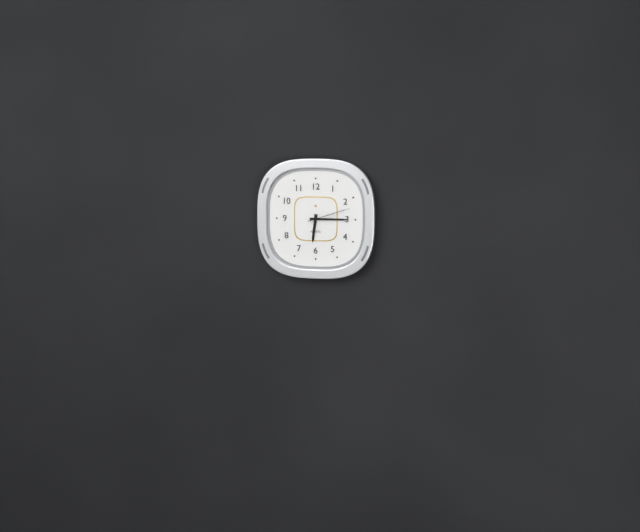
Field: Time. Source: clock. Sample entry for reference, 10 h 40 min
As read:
6 h 15 min
